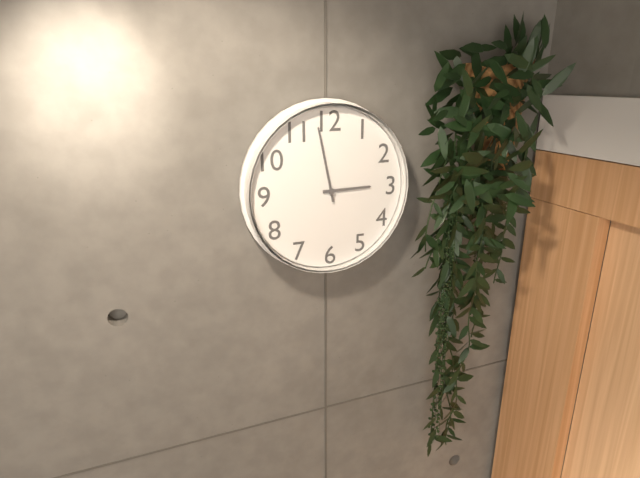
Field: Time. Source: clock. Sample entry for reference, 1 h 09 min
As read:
2 h 58 min
